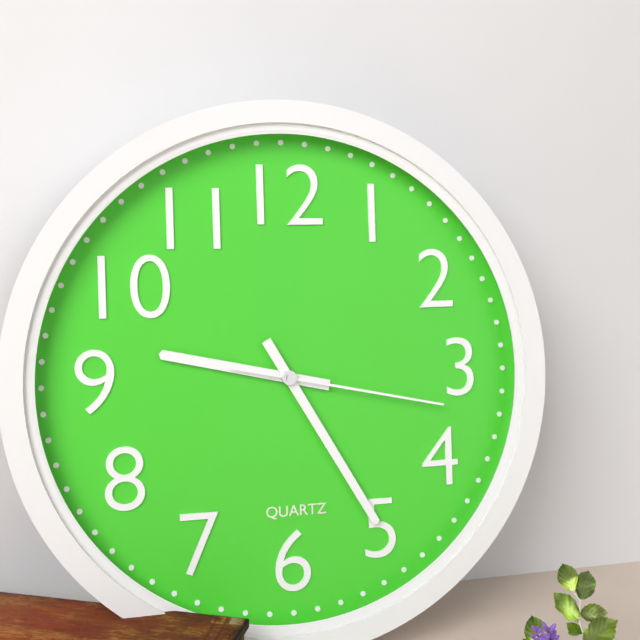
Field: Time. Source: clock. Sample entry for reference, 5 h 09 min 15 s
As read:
9 h 25 min 17 s
